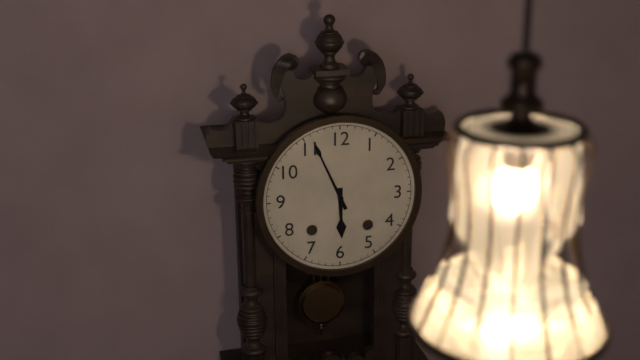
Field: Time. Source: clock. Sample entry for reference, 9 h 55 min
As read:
5 h 56 min
